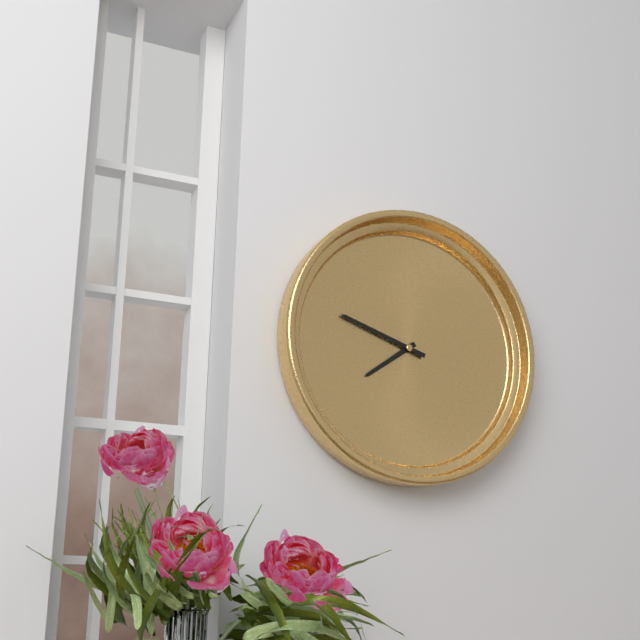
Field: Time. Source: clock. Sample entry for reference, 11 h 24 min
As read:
7 h 48 min
